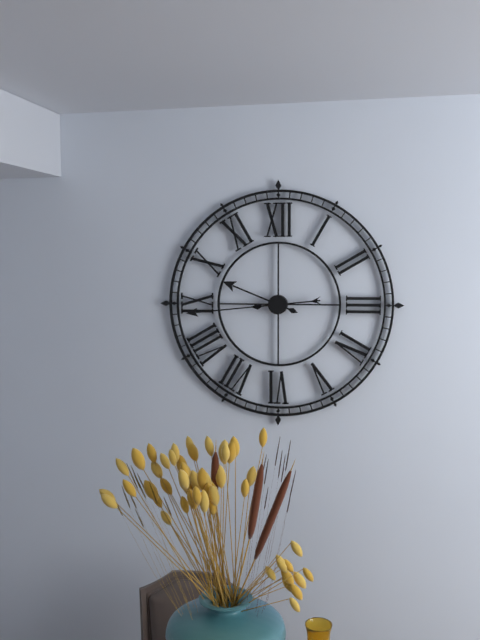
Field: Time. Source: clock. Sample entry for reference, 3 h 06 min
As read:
9 h 44 min
